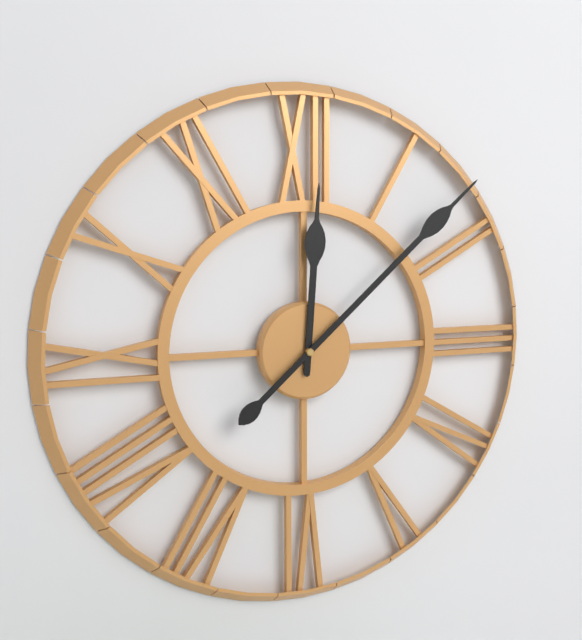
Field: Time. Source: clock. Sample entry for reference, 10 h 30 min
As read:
12 h 08 min
